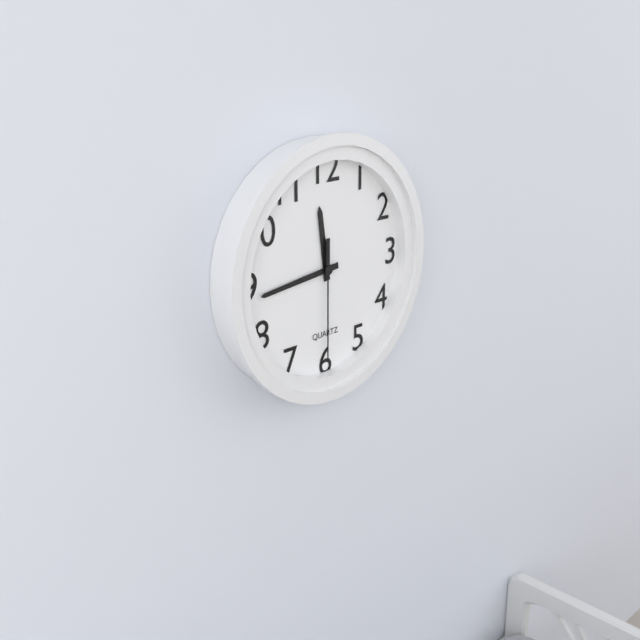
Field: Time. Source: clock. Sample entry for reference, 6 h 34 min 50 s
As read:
11 h 44 min 30 s
